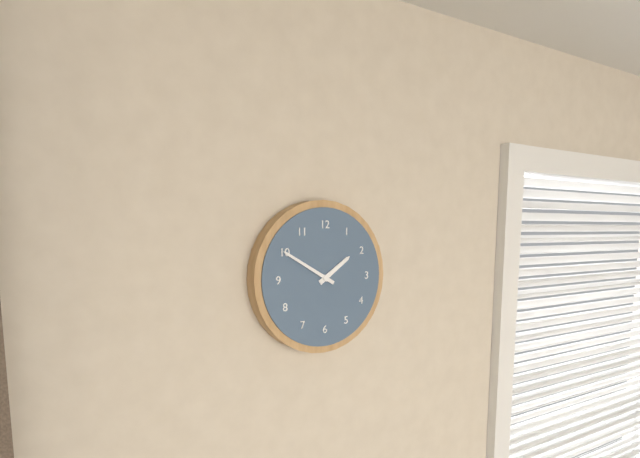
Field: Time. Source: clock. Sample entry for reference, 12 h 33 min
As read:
1 h 50 min
